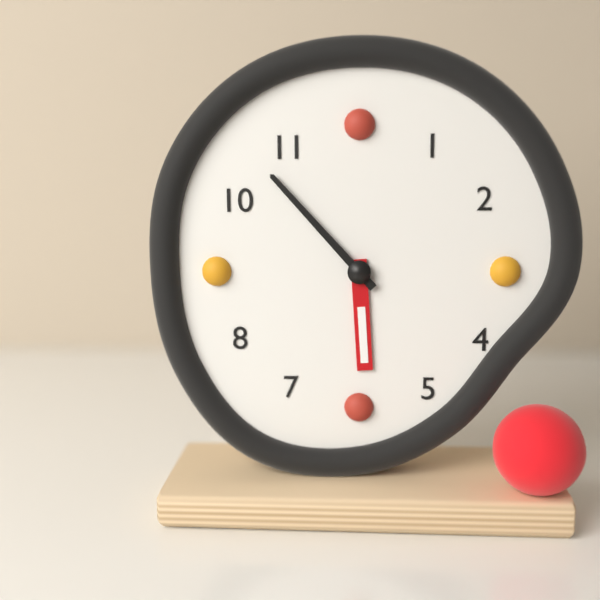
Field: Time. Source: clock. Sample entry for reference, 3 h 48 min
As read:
5 h 53 min
